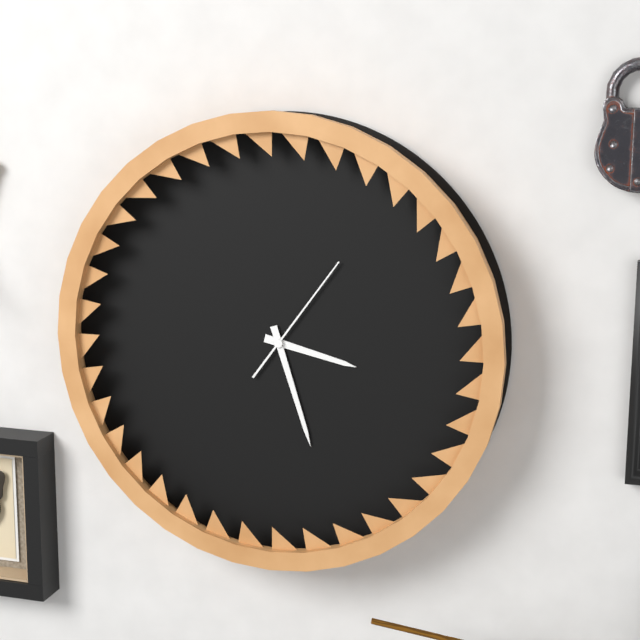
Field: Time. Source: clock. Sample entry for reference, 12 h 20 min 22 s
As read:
3 h 27 min 06 s
